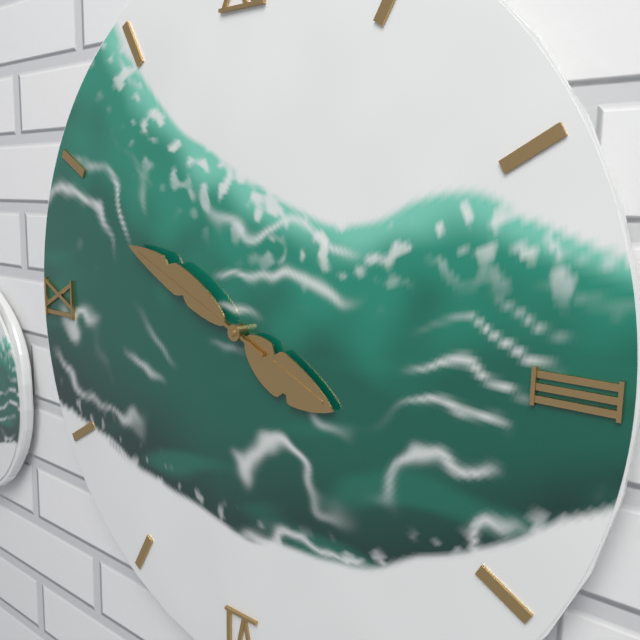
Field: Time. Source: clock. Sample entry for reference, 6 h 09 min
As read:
3 h 49 min
